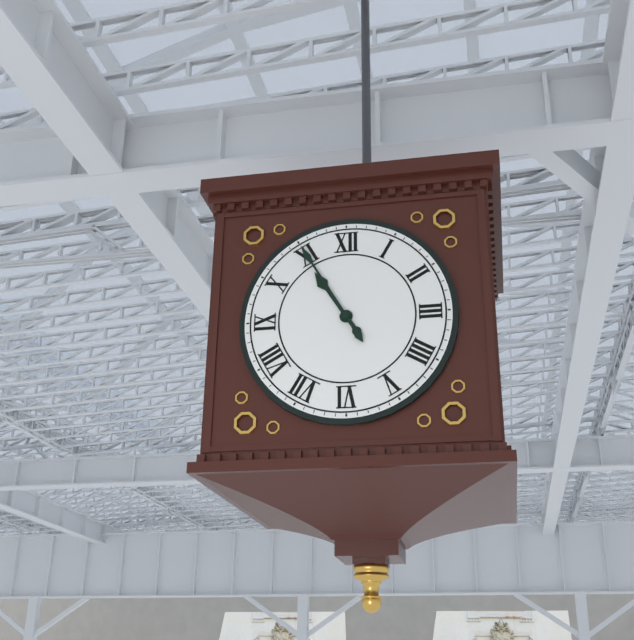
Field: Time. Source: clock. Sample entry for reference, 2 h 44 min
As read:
10 h 55 min
